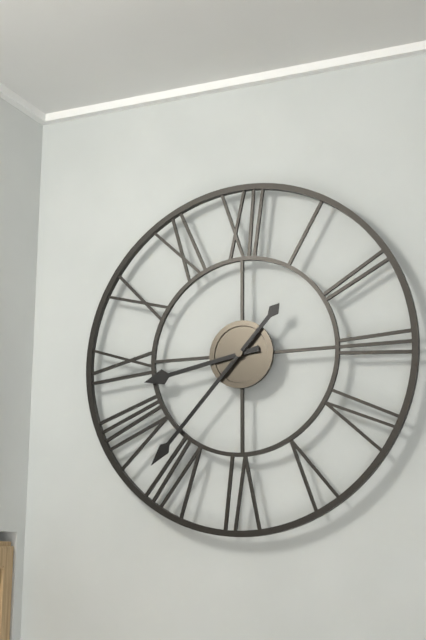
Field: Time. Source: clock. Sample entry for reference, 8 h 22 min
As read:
8 h 37 min
